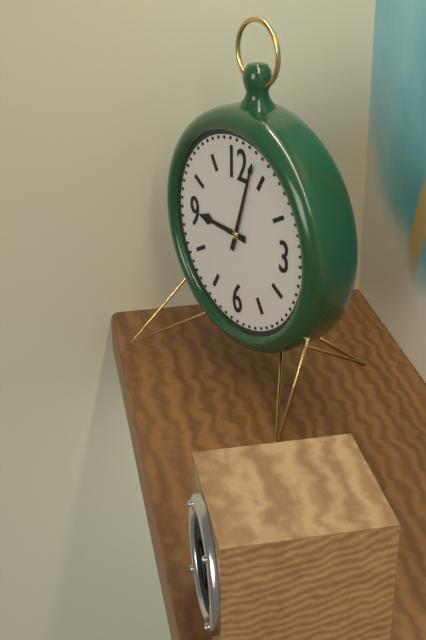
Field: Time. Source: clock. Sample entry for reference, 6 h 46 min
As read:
9 h 03 min
